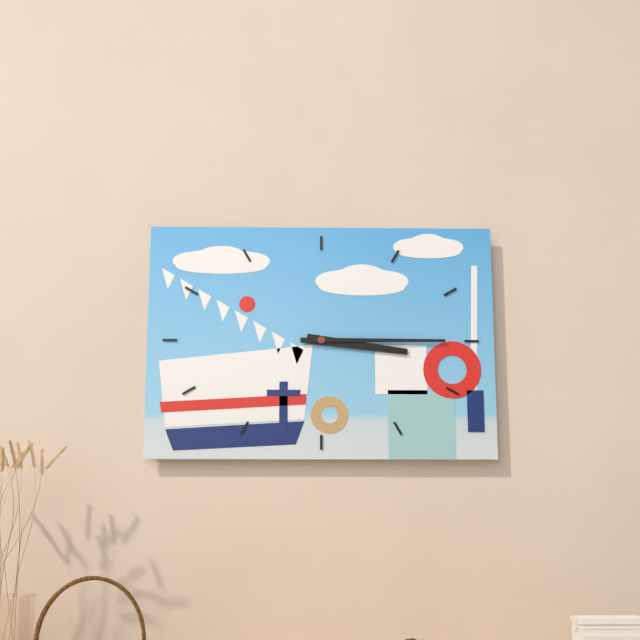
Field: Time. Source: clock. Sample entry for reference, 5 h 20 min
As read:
3 h 15 min
